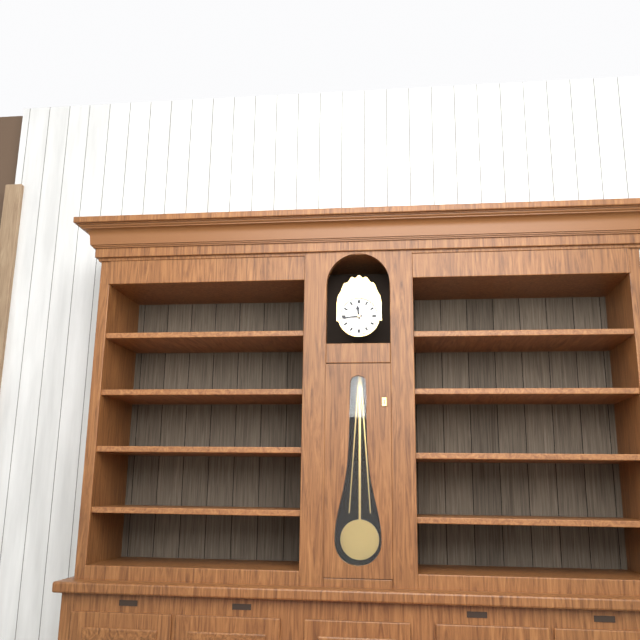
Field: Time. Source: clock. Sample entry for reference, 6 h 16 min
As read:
11 h 44 min
